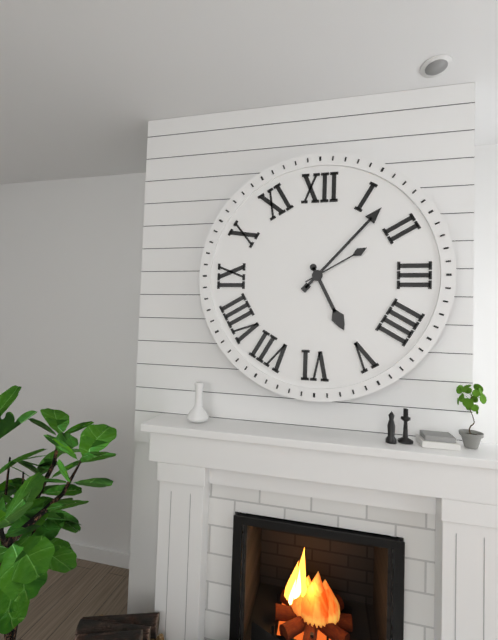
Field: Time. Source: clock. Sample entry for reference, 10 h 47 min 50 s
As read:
5 h 07 min 10 s
